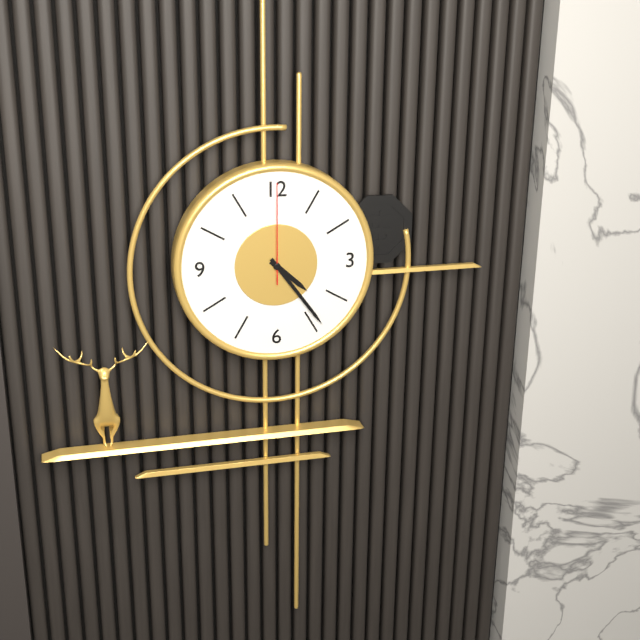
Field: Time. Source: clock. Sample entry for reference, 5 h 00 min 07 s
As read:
4 h 24 min 00 s
